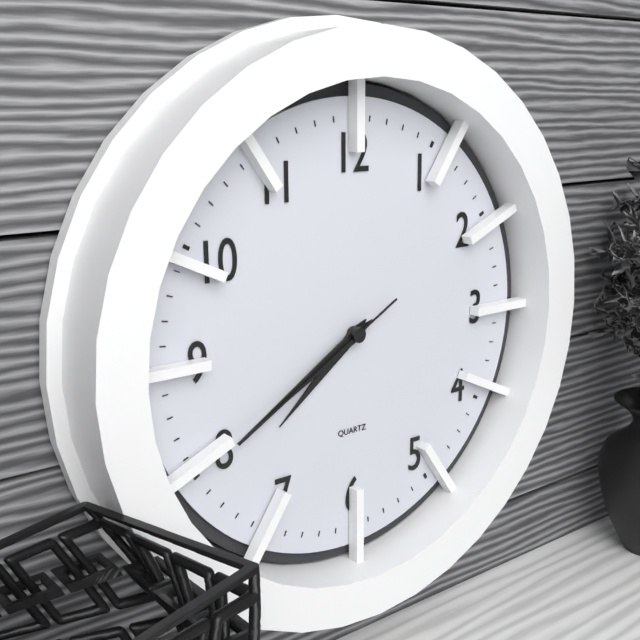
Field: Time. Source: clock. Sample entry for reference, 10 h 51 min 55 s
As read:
7 h 40 min 40 s
